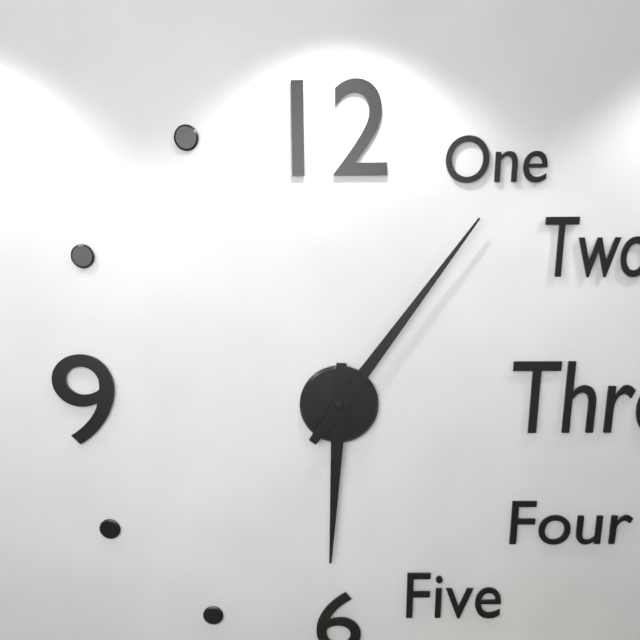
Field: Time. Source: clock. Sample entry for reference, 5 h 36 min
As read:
6 h 06 min
